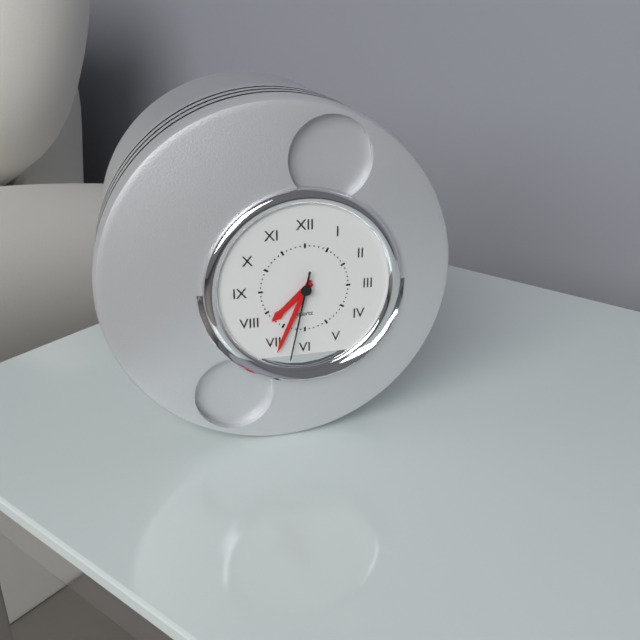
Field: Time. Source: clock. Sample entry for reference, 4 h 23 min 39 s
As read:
7 h 34 min 32 s
